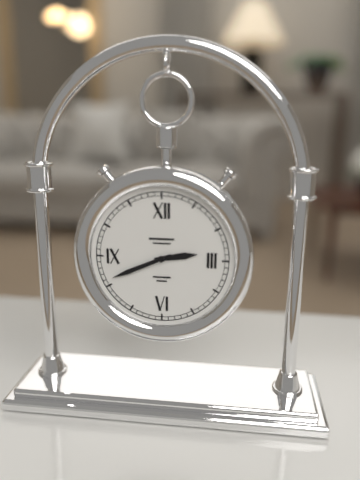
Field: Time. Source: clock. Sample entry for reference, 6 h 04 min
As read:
2 h 41 min
